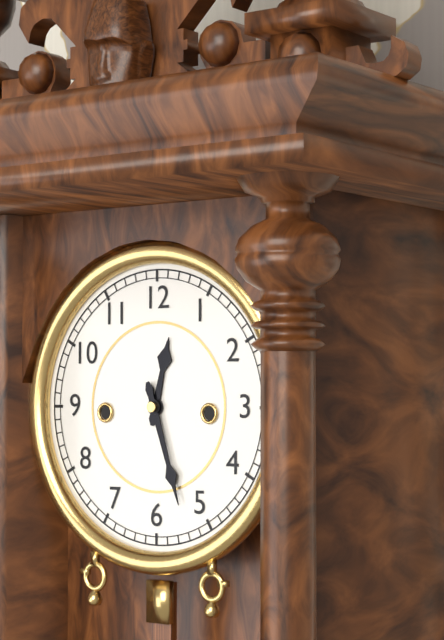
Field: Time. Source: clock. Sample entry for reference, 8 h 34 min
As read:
12 h 27 min
